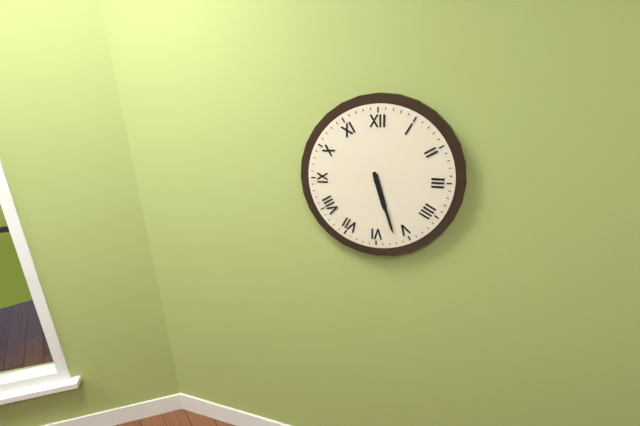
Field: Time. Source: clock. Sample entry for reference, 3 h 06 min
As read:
5 h 27 min
